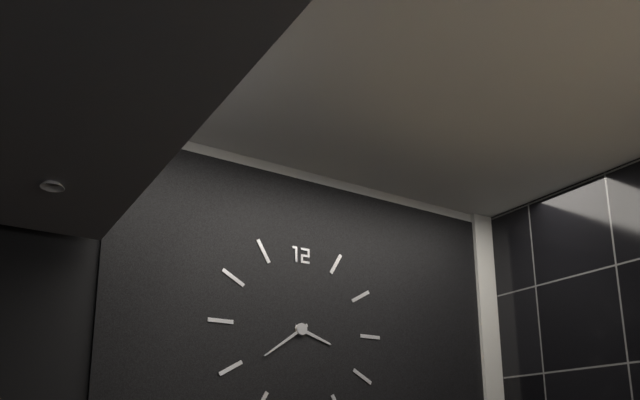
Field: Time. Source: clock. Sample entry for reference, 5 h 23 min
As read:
3 h 39 min
